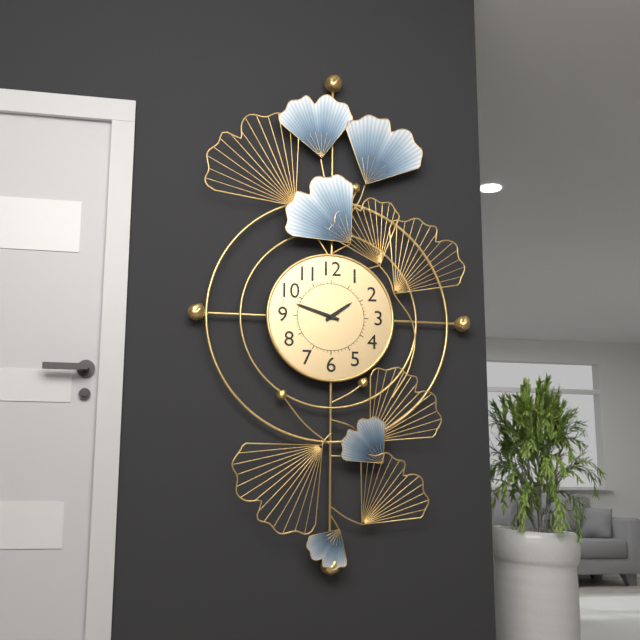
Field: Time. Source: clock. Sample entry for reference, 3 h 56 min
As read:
1 h 48 min
